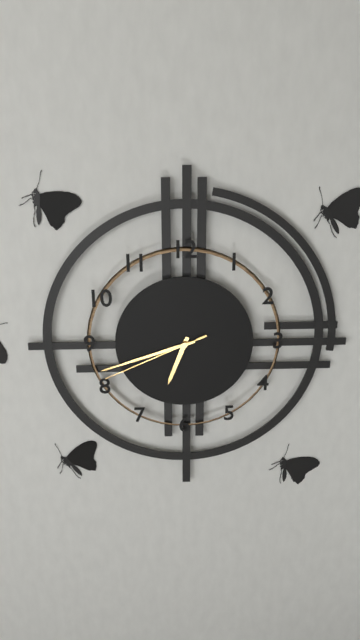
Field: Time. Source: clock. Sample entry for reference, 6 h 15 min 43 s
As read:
6 h 42 min 41 s
